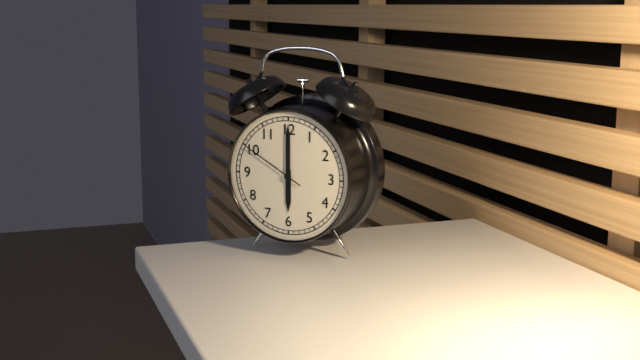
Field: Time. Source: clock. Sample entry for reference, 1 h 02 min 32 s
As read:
6 h 00 min 50 s
